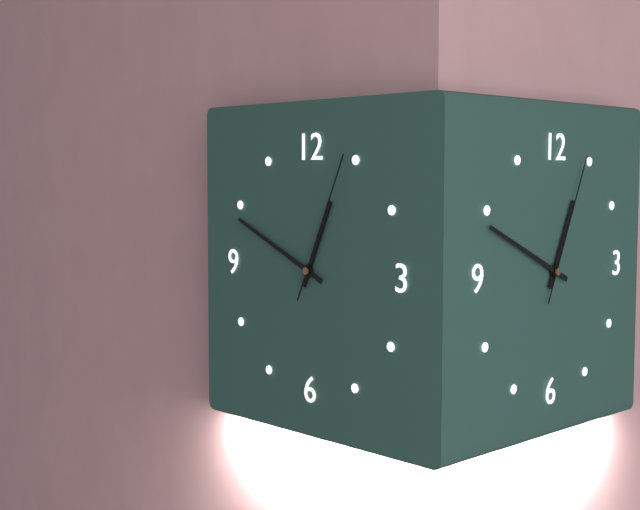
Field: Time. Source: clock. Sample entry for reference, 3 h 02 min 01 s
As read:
12 h 49 min 04 s
